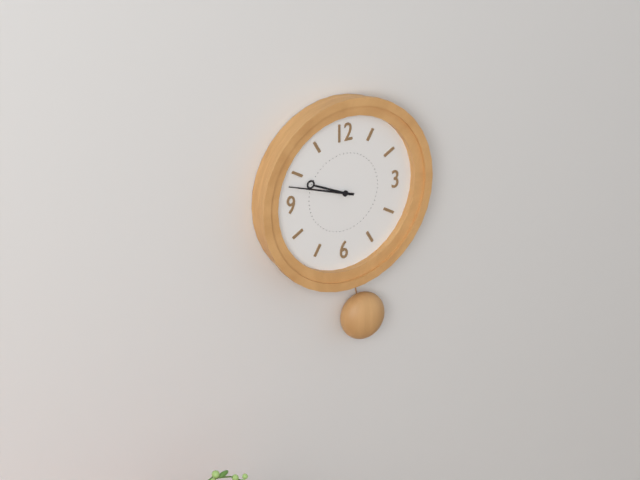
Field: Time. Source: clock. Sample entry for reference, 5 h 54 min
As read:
9 h 48 min
